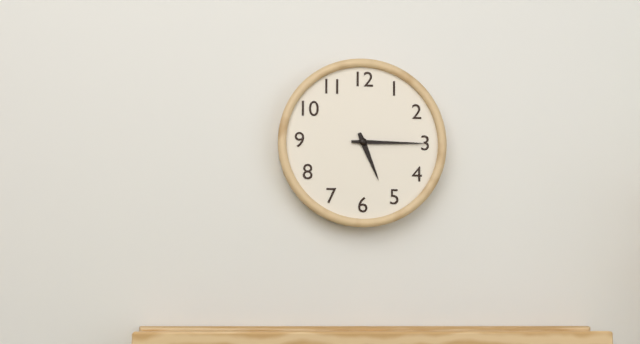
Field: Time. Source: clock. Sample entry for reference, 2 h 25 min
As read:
5 h 15 min
